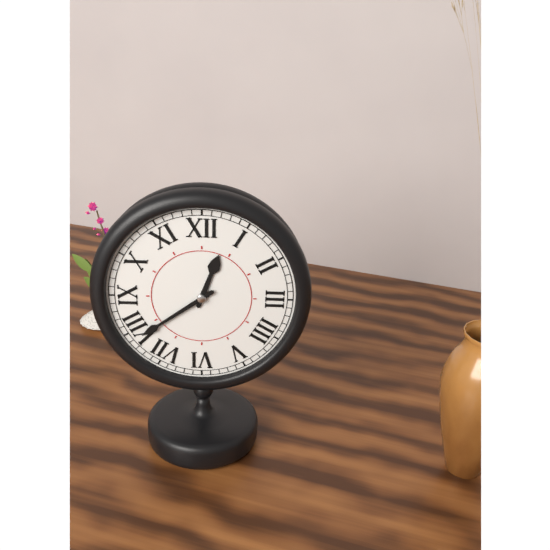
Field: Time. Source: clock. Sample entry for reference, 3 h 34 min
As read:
12 h 39 min
